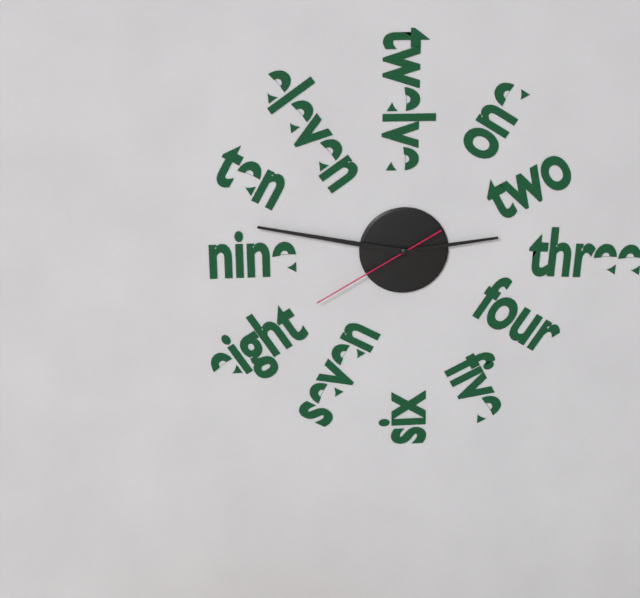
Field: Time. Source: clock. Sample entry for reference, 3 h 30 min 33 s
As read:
2 h 47 min 40 s
